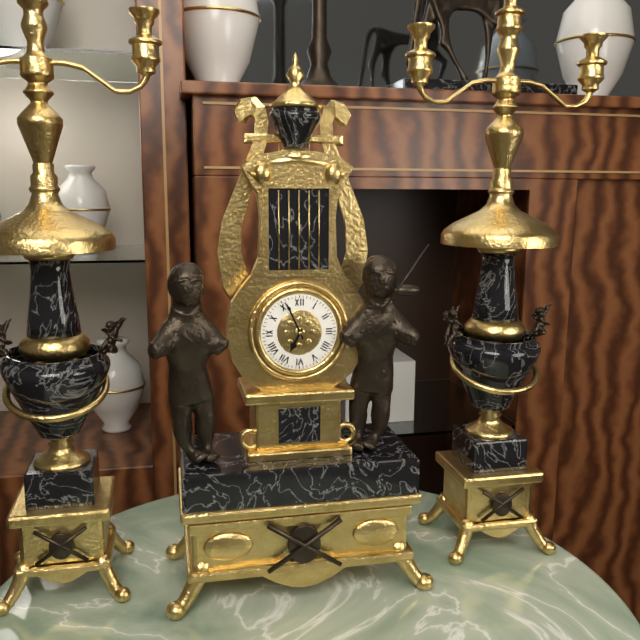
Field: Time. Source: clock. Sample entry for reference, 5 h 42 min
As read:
6 h 56 min
